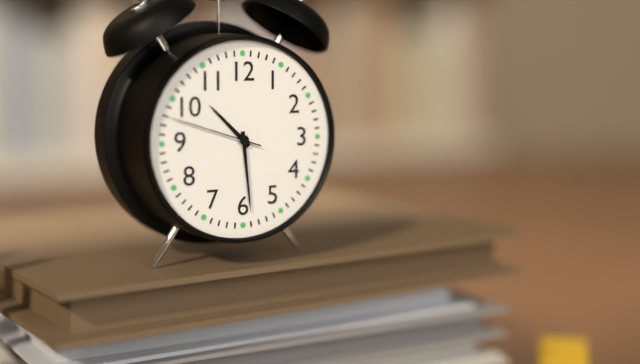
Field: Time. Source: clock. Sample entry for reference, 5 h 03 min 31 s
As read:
10 h 29 min 48 s
